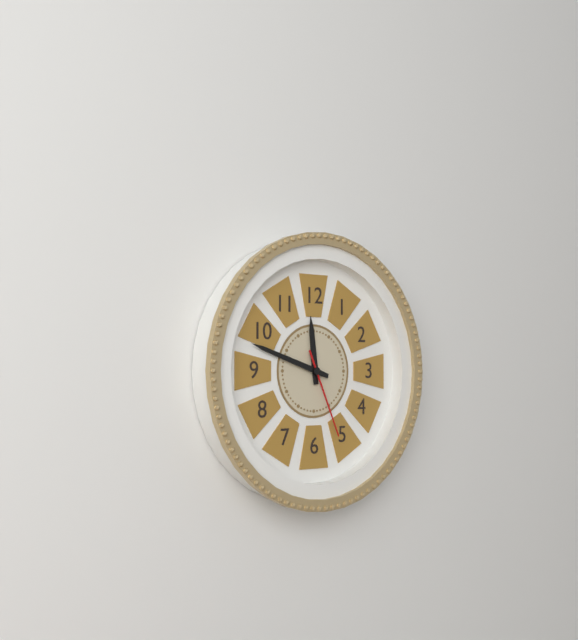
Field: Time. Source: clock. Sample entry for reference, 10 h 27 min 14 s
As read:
11 h 48 min 26 s
